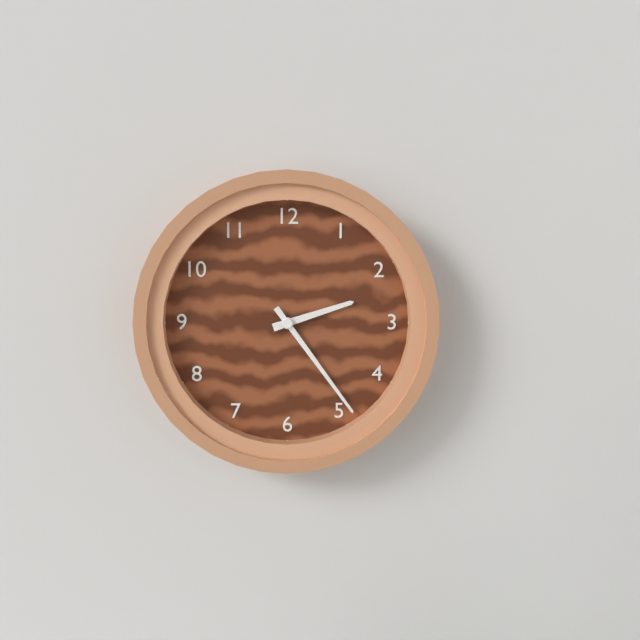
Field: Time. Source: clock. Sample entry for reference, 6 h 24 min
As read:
2 h 24 min
